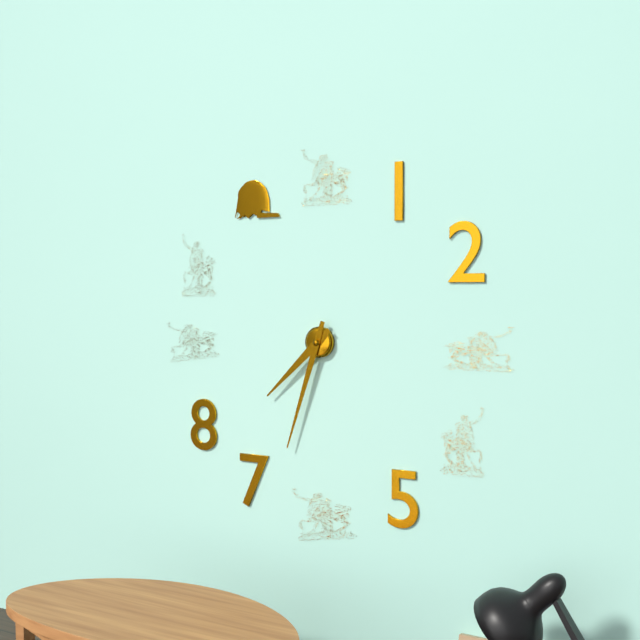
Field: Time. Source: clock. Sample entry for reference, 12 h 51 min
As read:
7 h 33 min
